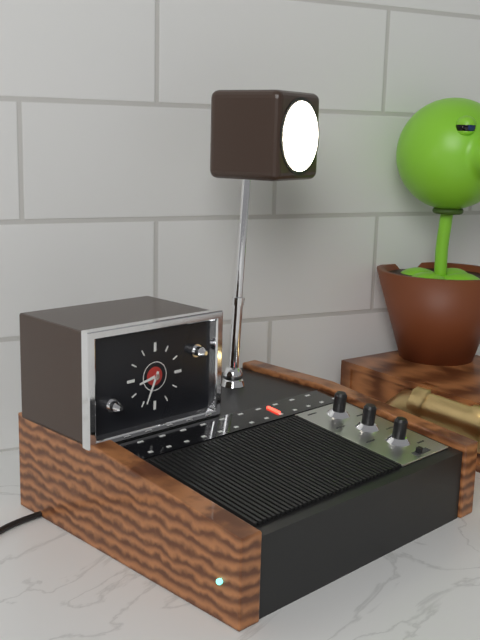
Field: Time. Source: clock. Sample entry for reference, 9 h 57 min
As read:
8 h 34 min
